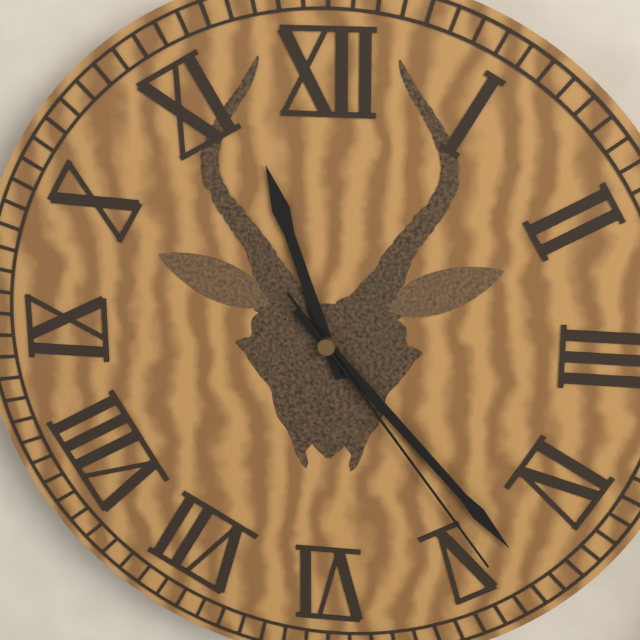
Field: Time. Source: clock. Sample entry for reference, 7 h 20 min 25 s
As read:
11 h 23 min 24 s
